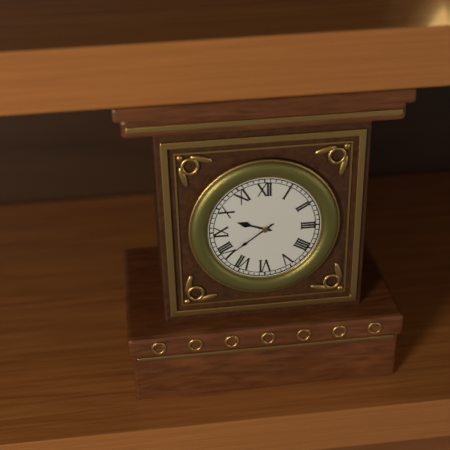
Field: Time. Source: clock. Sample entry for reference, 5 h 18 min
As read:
9 h 39 min
